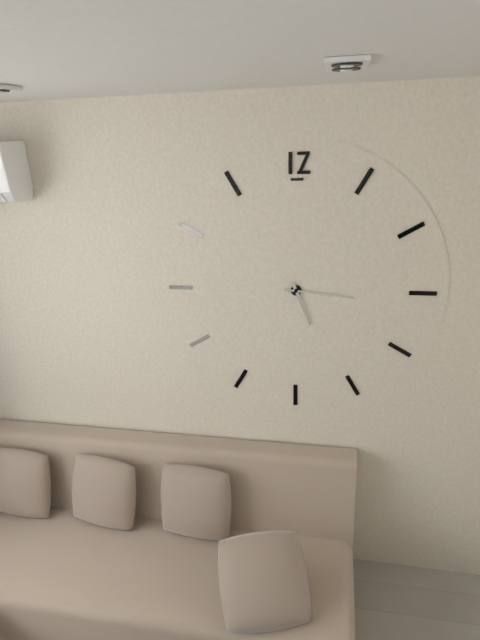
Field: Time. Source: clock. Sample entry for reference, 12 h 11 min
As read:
5 h 16 min
